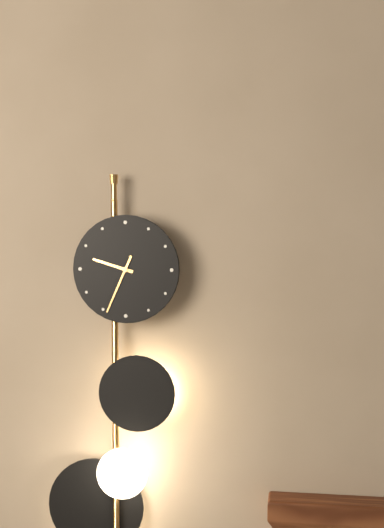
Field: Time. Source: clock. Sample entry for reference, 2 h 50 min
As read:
9 h 34 min
